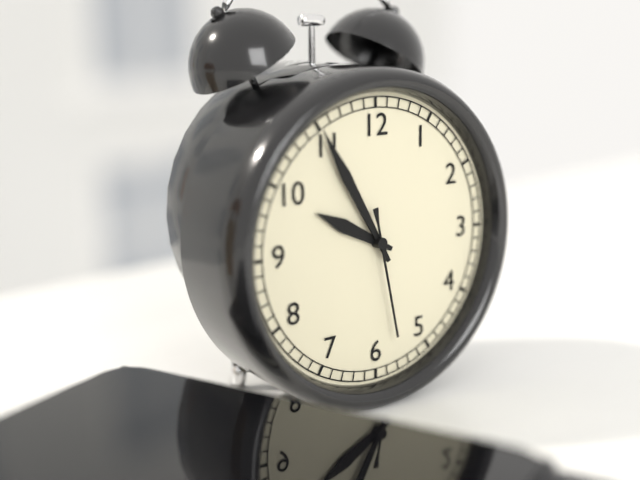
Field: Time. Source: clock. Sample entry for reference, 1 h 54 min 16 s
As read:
9 h 55 min 28 s
